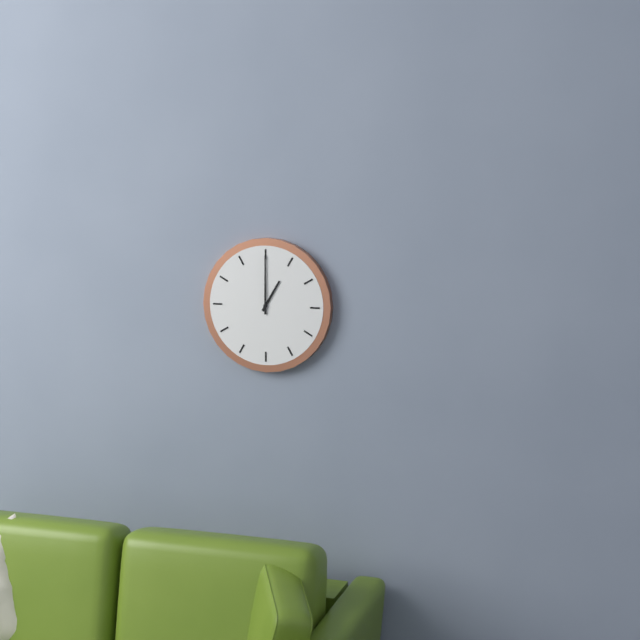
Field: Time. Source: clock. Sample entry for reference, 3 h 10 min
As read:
1 h 00 min
